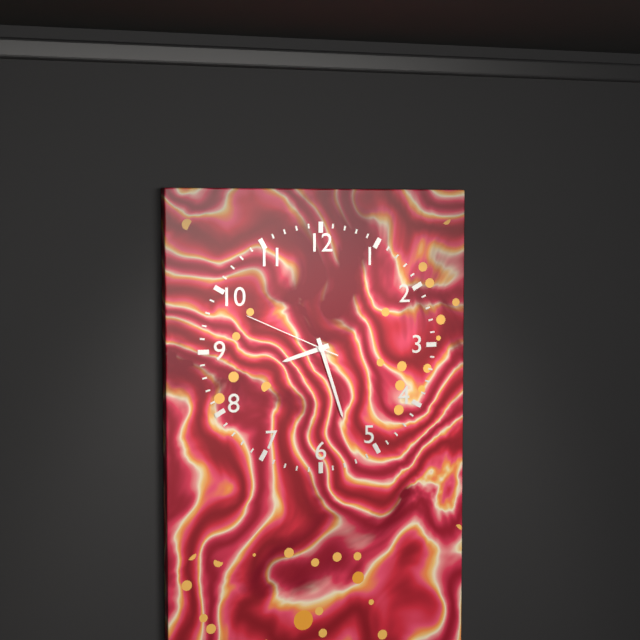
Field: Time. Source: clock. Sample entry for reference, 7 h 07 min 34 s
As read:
8 h 27 min 49 s
